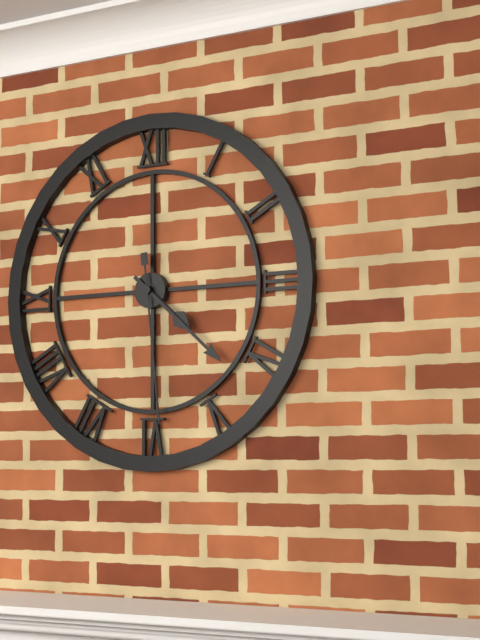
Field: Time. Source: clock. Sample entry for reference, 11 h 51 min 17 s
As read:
4 h 22 min 29 s
